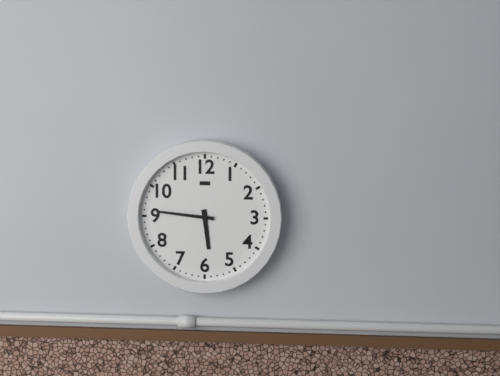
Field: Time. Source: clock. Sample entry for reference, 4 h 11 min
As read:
5 h 46 min
